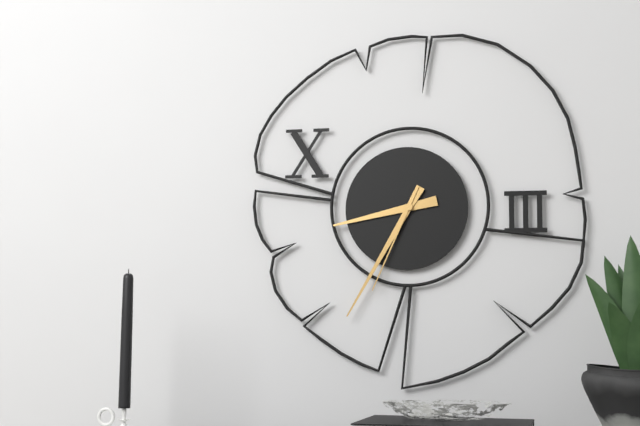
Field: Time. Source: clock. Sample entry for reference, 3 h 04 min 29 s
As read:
8 h 35 min 34 s
